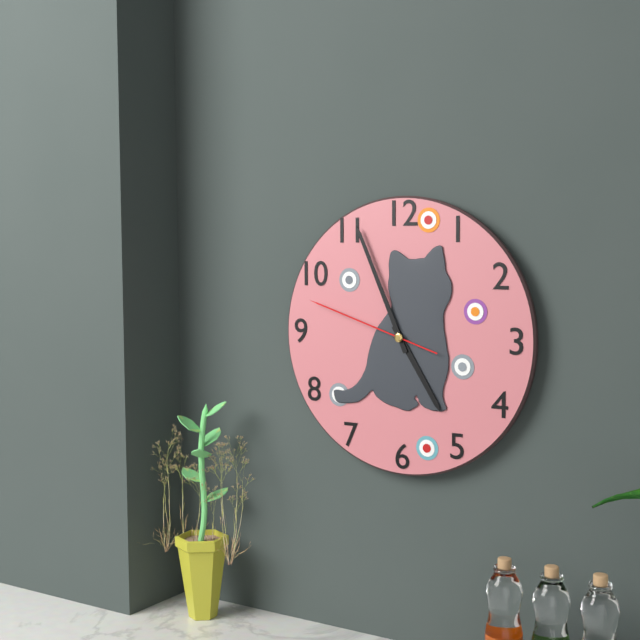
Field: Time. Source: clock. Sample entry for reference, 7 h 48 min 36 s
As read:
4 h 56 min 48 s
